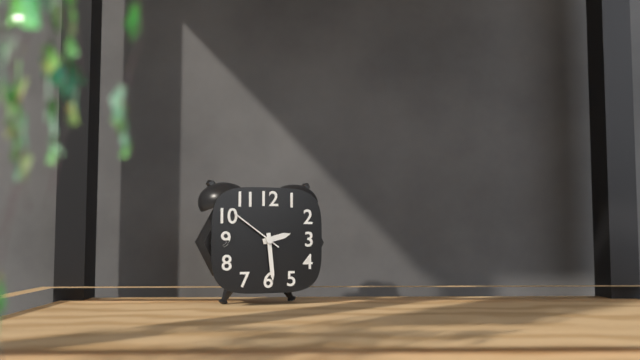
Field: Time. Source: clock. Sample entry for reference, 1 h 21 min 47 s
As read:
2 h 29 min 51 s
